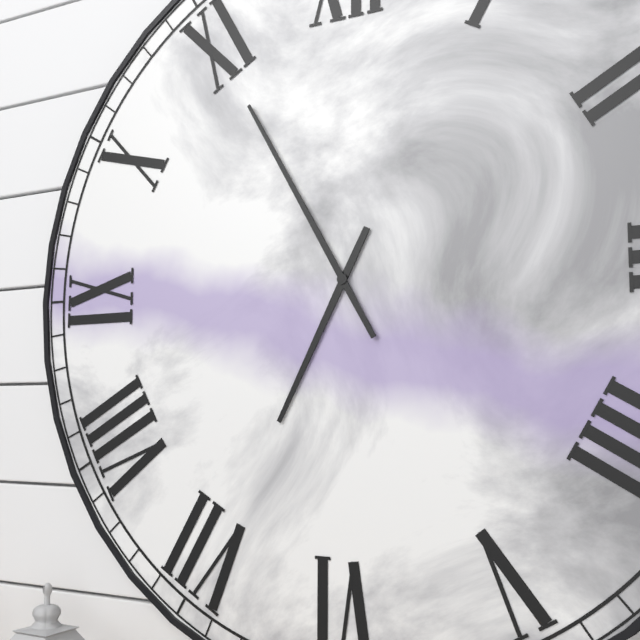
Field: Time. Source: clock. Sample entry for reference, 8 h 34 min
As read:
6 h 55 min
